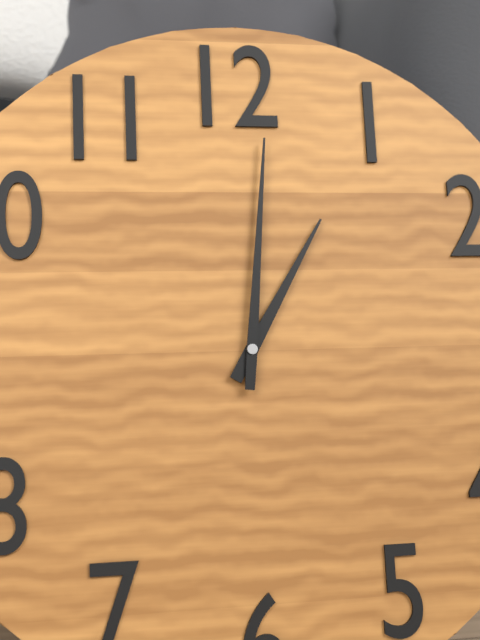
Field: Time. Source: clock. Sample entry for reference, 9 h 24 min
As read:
1 h 01 min
